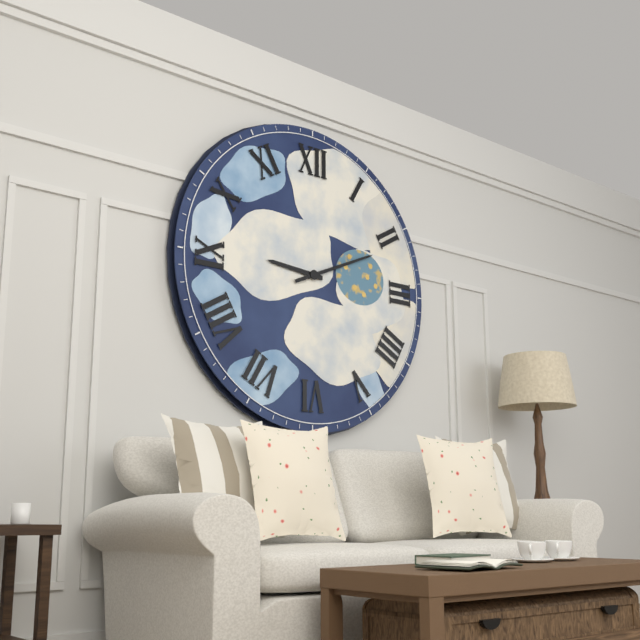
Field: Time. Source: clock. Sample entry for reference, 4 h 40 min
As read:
9 h 11 min
